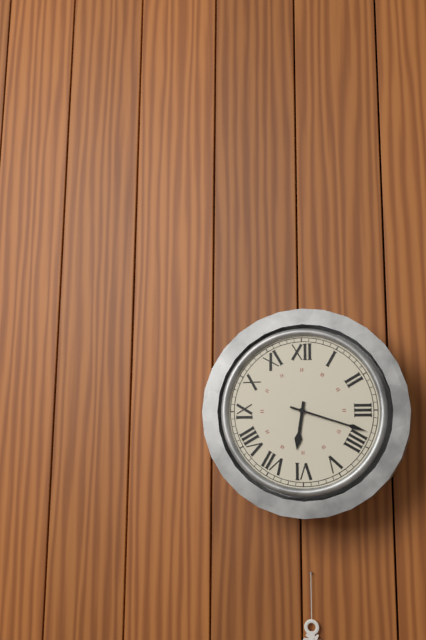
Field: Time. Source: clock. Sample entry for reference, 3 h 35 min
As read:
6 h 18 min
